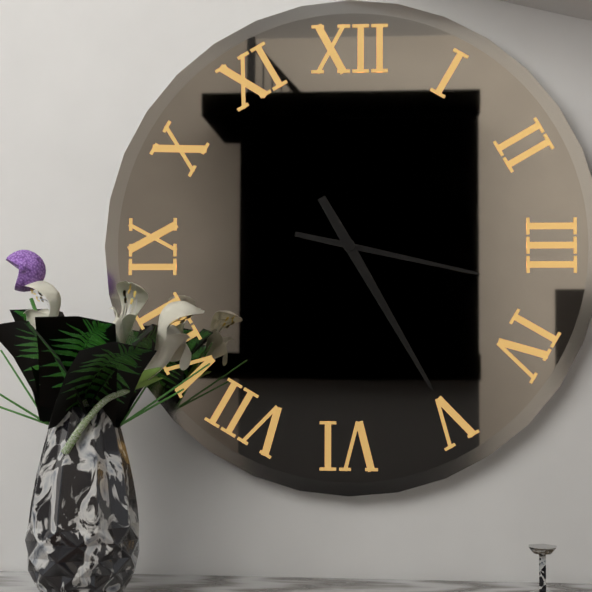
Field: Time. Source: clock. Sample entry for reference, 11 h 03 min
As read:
3 h 25 min
